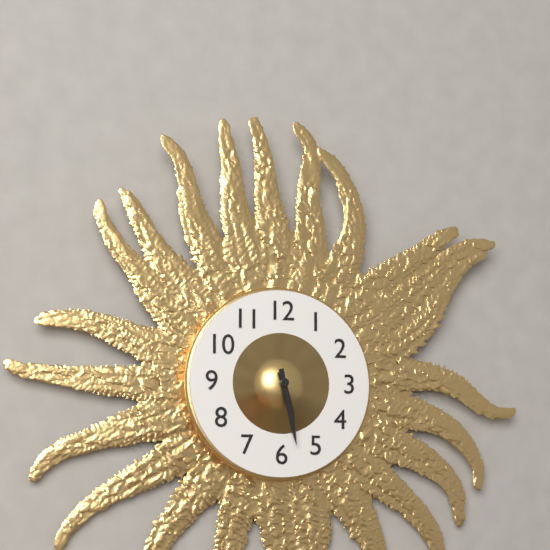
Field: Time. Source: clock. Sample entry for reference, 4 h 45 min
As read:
5 h 28 min
